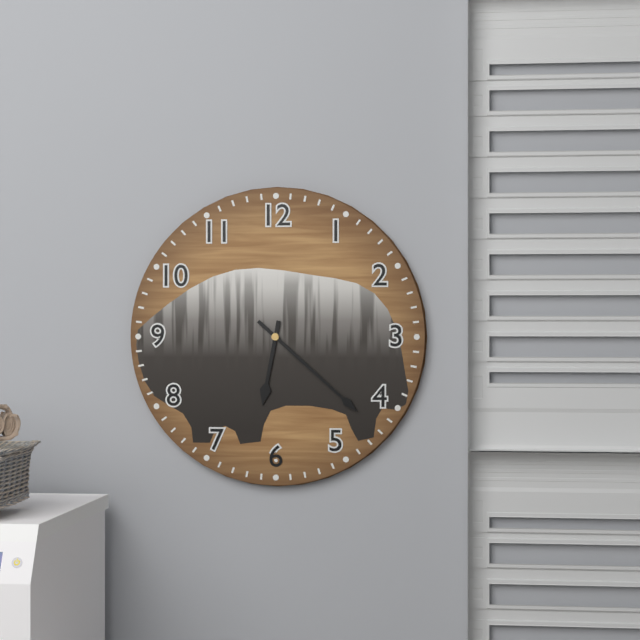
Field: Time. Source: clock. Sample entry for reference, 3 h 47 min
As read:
6 h 22 min
